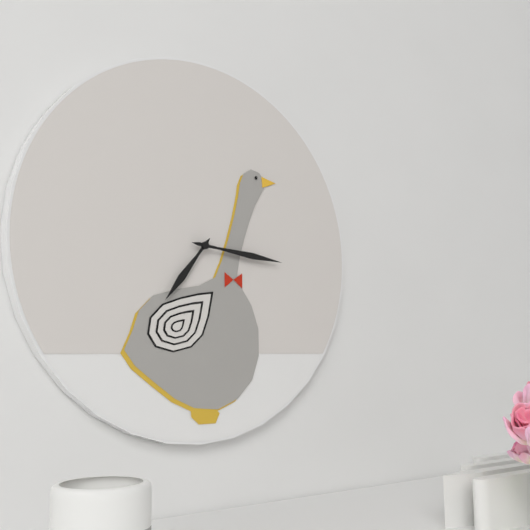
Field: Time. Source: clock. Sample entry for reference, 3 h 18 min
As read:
7 h 16 min
